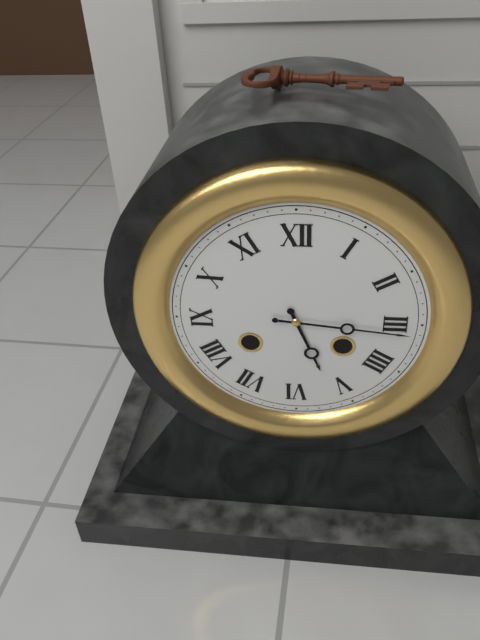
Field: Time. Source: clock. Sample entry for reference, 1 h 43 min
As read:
5 h 16 min
